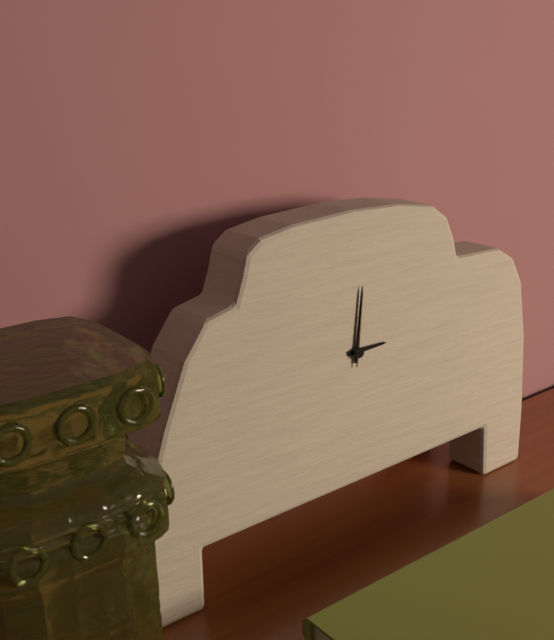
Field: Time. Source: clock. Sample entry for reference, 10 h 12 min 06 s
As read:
3 h 01 min 01 s
